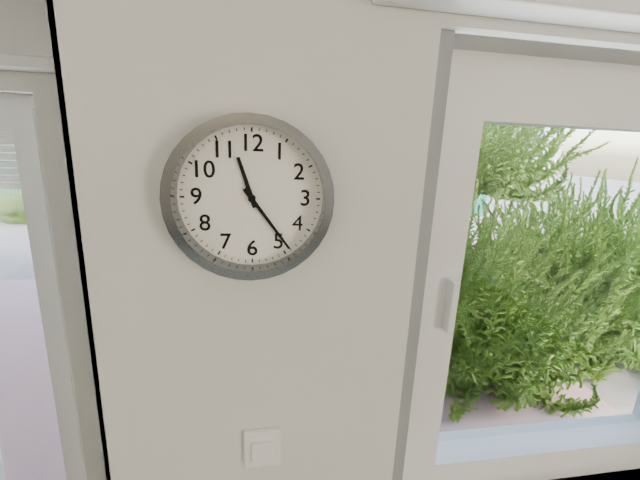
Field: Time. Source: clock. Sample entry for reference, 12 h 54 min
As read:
11 h 24 min
